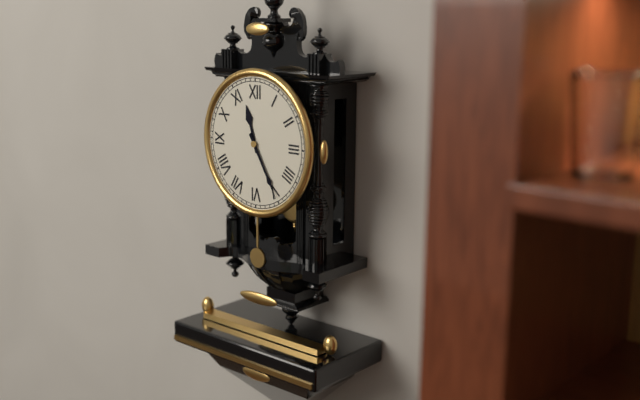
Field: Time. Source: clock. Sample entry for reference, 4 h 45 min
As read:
11 h 25 min
